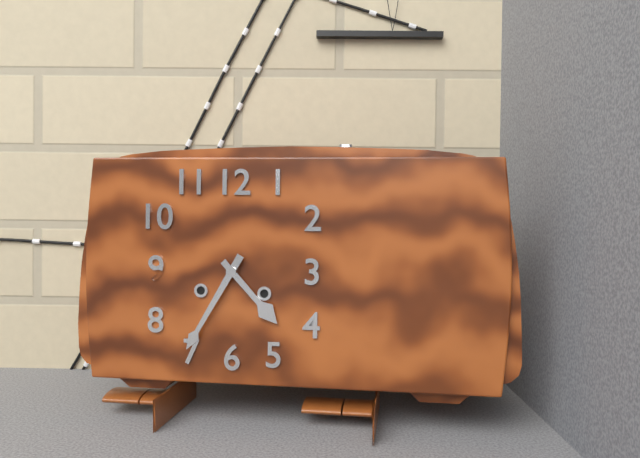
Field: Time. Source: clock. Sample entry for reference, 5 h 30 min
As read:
4 h 35 min
